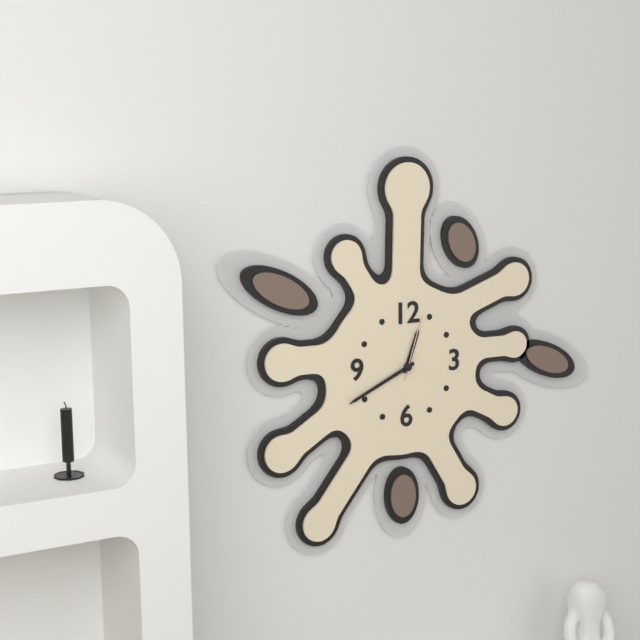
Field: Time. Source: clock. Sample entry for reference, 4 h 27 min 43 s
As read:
12 h 41 min 03 s
